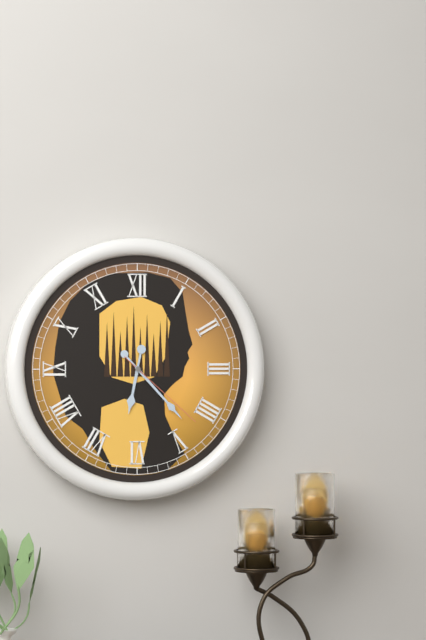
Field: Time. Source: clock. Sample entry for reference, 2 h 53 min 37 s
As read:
6 h 23 min 22 s
